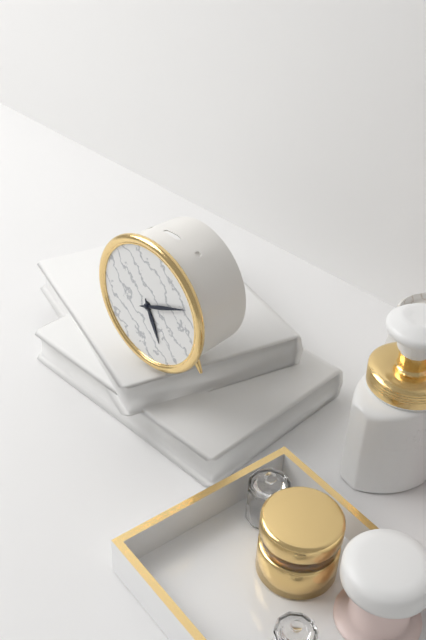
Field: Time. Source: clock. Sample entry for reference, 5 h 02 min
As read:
5 h 11 min
